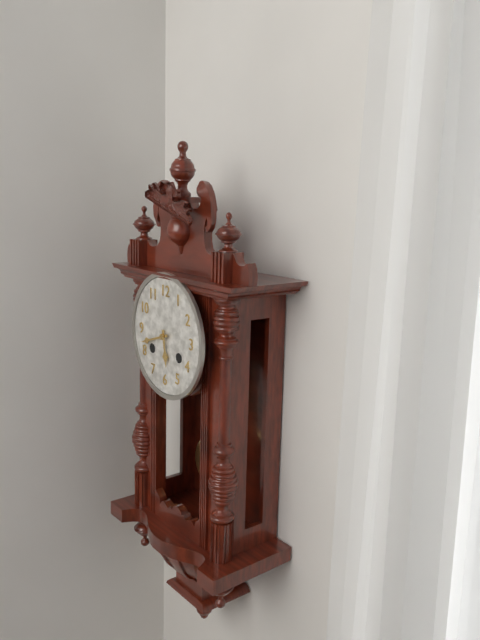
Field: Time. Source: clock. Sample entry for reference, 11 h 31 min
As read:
5 h 42 min
